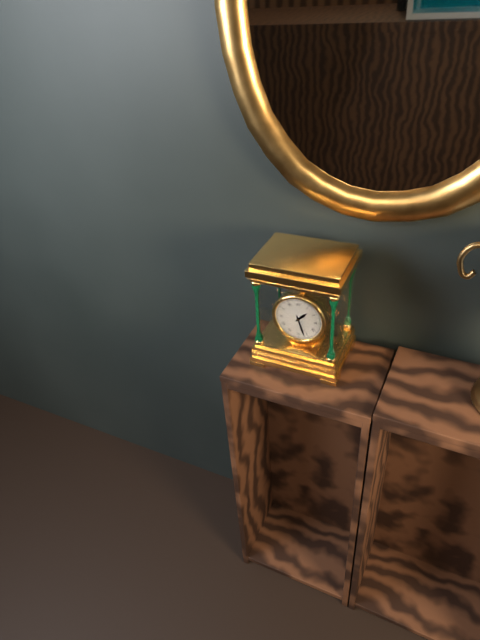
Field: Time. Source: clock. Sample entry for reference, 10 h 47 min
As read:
1 h 27 min
